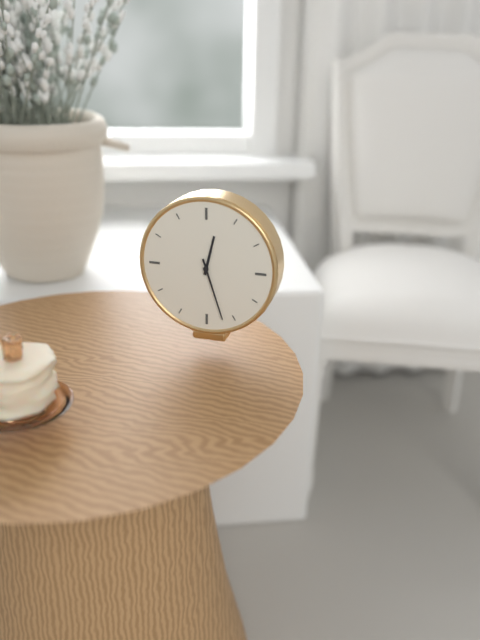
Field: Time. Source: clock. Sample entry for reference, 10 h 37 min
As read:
12 h 27 min
